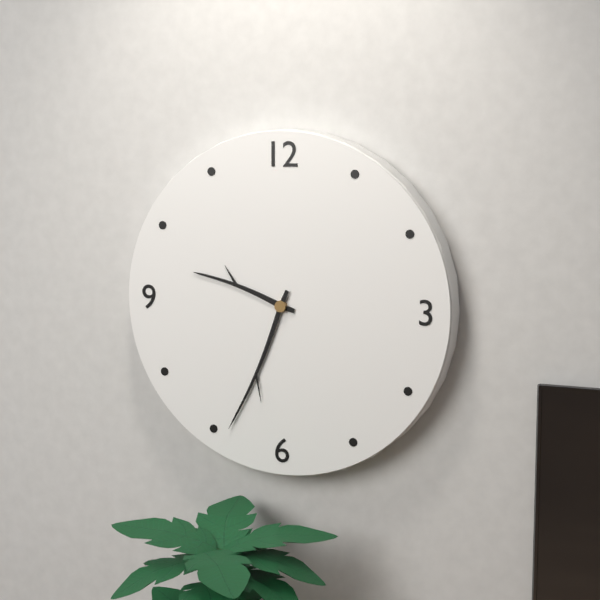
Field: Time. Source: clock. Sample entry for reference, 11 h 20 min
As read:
9 h 34 min
